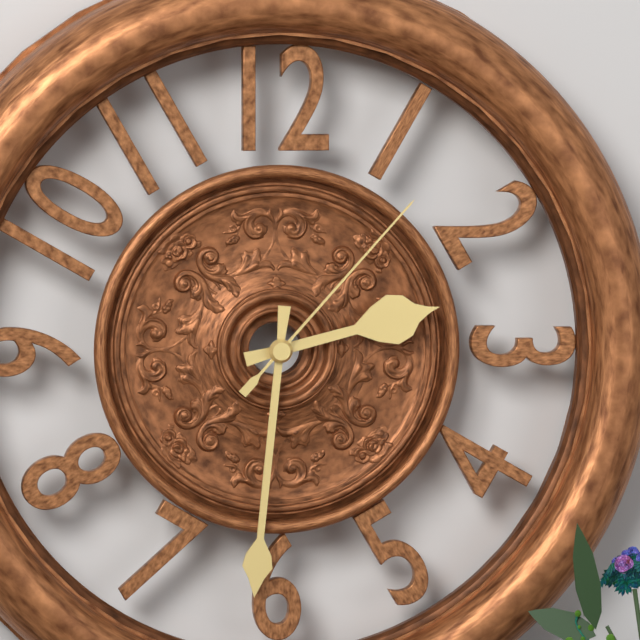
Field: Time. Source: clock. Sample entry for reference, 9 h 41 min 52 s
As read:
2 h 31 min 07 s
